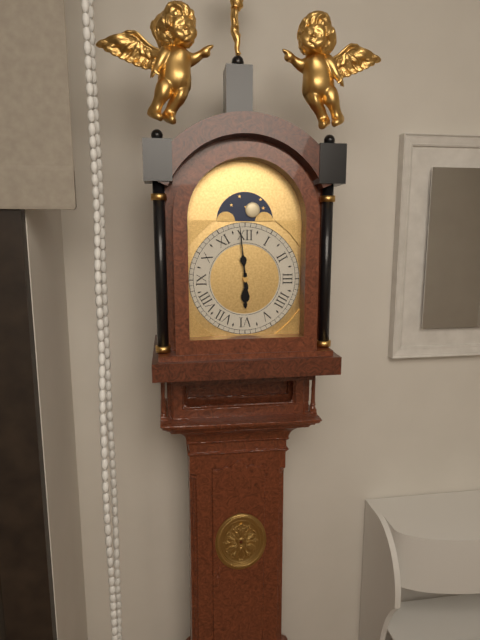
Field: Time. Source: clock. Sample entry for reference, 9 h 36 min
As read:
5 h 59 min
